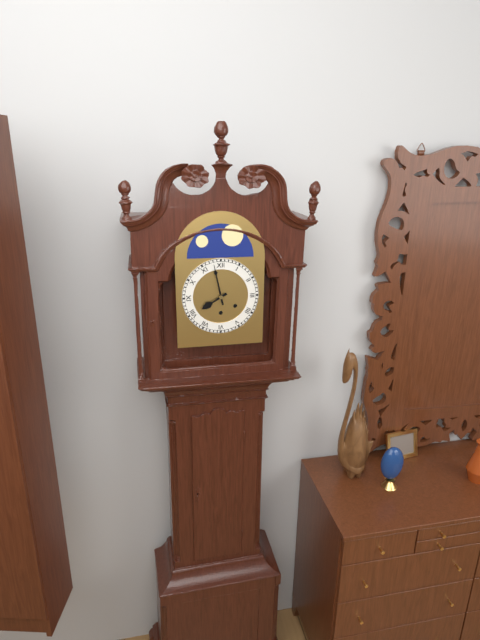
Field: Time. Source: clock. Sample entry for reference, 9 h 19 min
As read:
7 h 58 min
